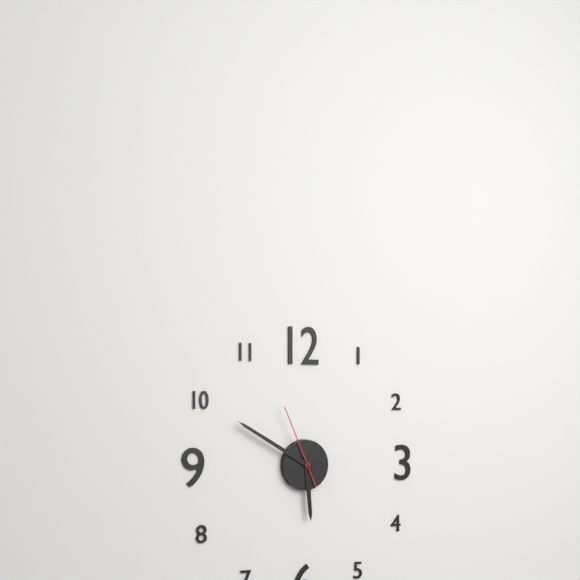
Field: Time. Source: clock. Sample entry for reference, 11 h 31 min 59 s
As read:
5 h 50 min 56 s
